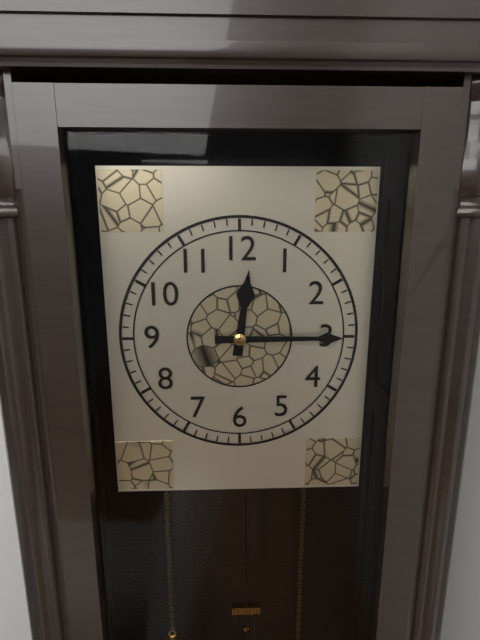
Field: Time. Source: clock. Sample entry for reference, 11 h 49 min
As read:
12 h 15 min
